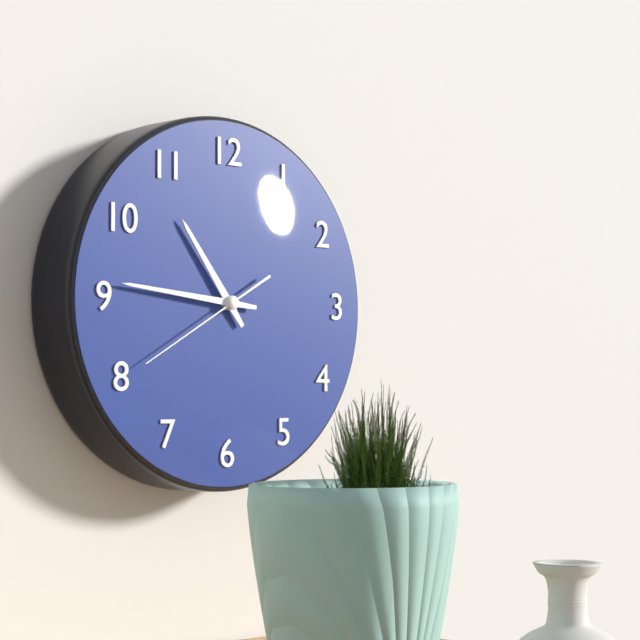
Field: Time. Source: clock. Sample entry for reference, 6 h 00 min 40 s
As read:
10 h 46 min 40 s
